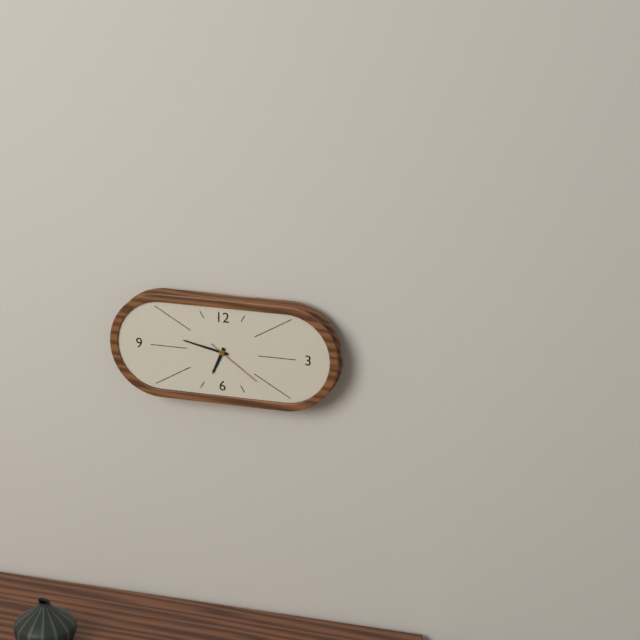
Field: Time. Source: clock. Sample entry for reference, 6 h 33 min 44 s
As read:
6 h 47 min 21 s
